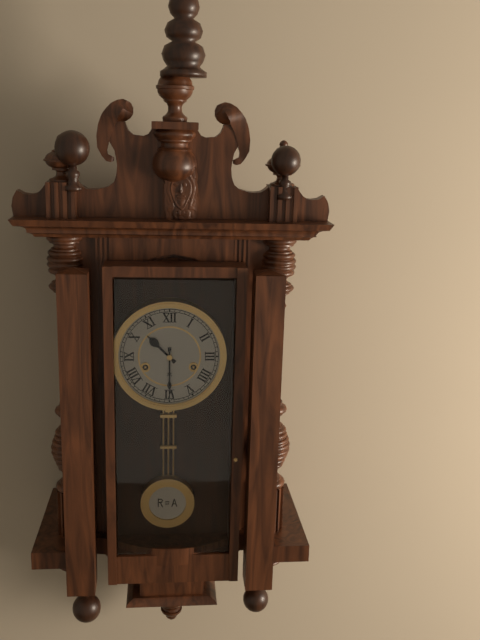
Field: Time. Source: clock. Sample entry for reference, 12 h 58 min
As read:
10 h 30 min
